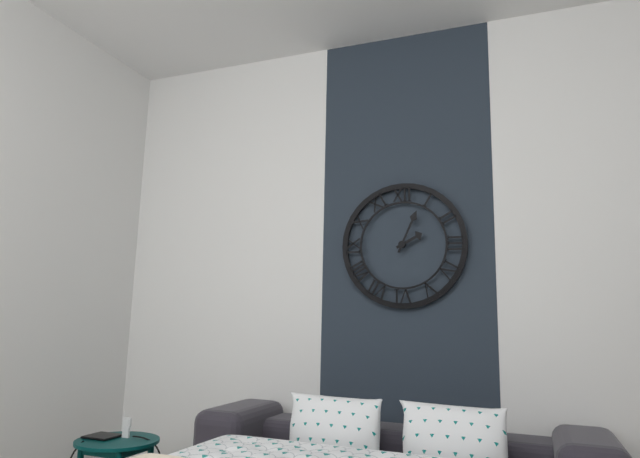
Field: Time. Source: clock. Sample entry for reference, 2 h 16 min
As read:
2 h 04 min
